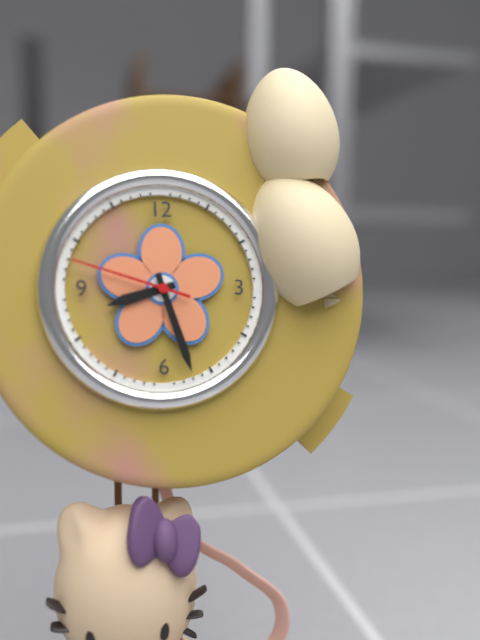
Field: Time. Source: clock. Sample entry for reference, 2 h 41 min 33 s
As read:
8 h 27 min 48 s
